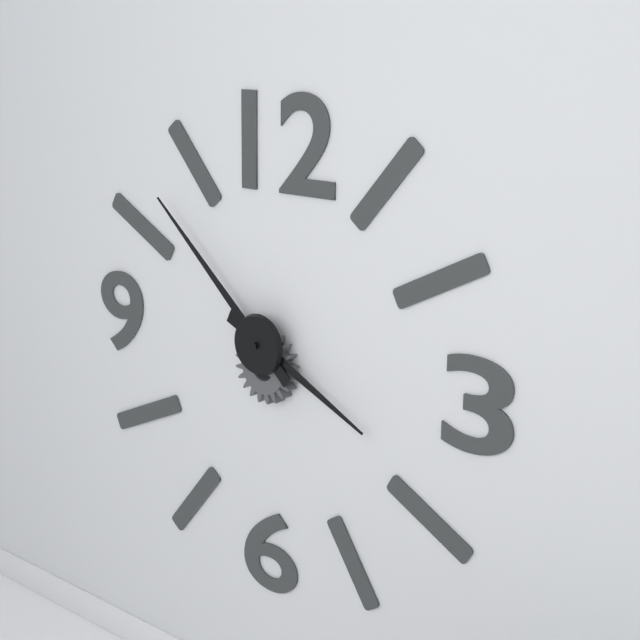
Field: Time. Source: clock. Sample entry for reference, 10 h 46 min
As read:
3 h 52 min
